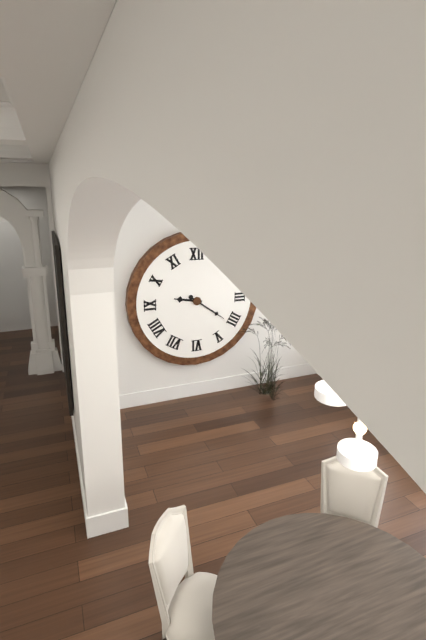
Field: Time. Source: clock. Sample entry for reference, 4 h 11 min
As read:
9 h 21 min
